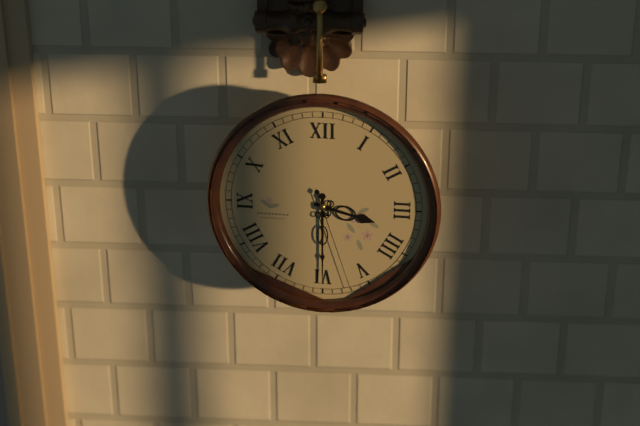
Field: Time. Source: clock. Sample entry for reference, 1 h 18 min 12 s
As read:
3 h 30 min 27 s
